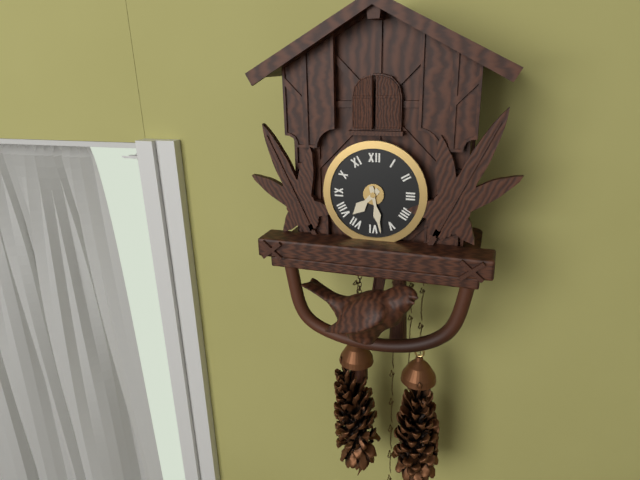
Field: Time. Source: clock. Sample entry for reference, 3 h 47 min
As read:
7 h 28 min
